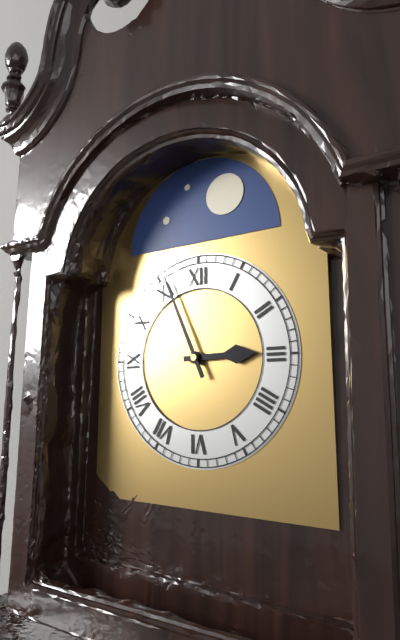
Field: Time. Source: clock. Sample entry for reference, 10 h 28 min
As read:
2 h 56 min
